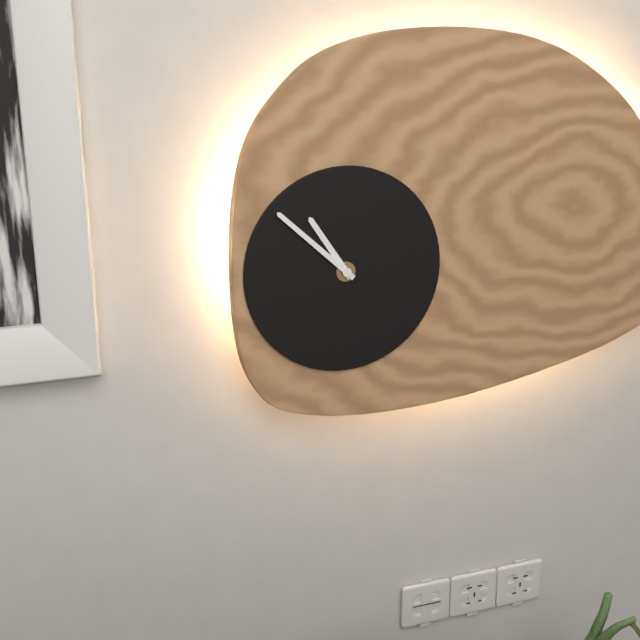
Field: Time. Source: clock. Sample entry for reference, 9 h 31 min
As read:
10 h 52 min
